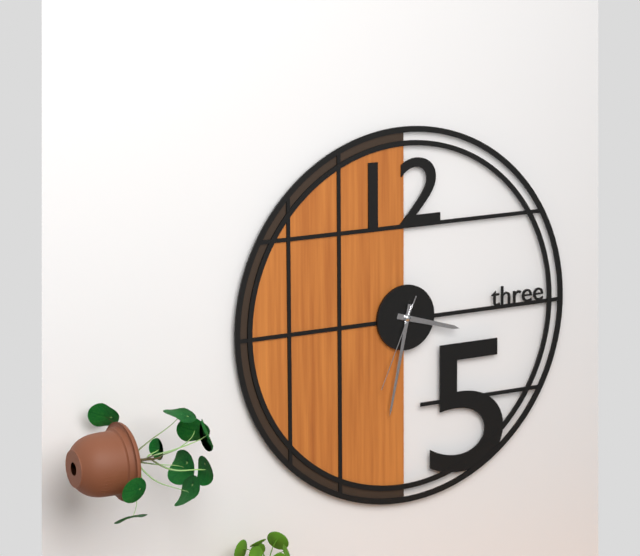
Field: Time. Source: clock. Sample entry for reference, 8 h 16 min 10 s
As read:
3 h 32 min 34 s
